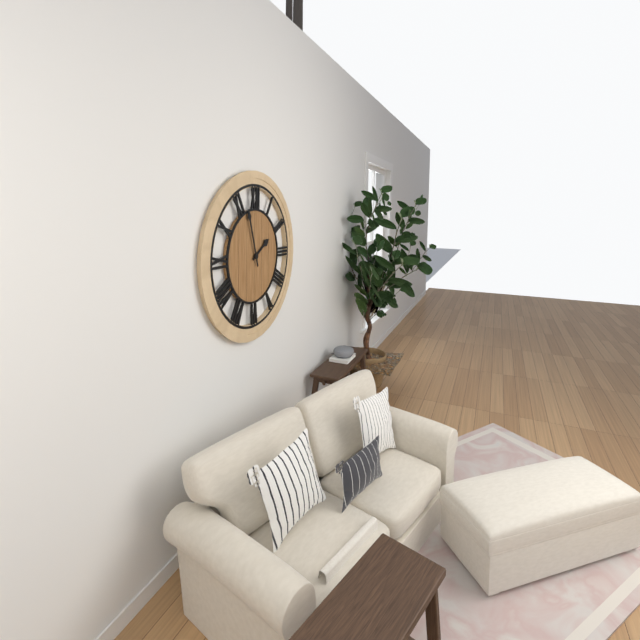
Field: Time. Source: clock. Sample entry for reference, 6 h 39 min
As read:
1 h 57 min
